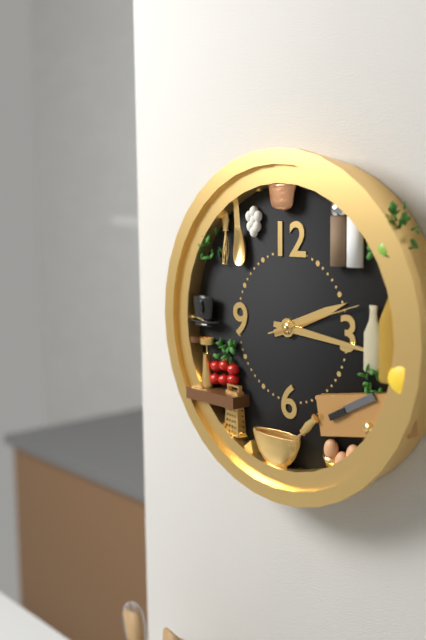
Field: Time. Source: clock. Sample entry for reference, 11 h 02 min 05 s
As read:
2 h 16 min 12 s
